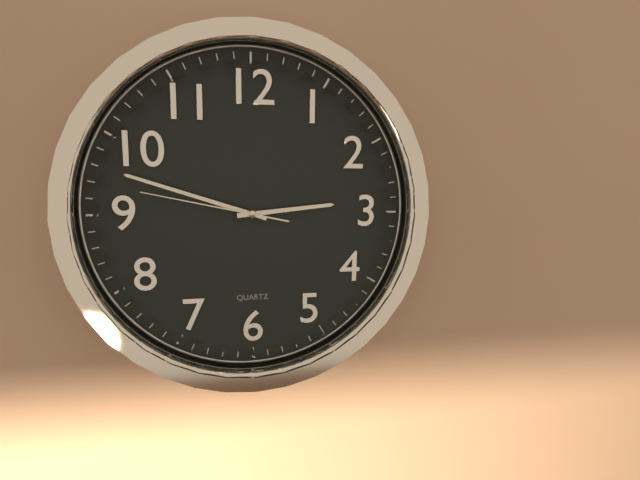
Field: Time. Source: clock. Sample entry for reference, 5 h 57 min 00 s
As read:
2 h 48 min 47 s
